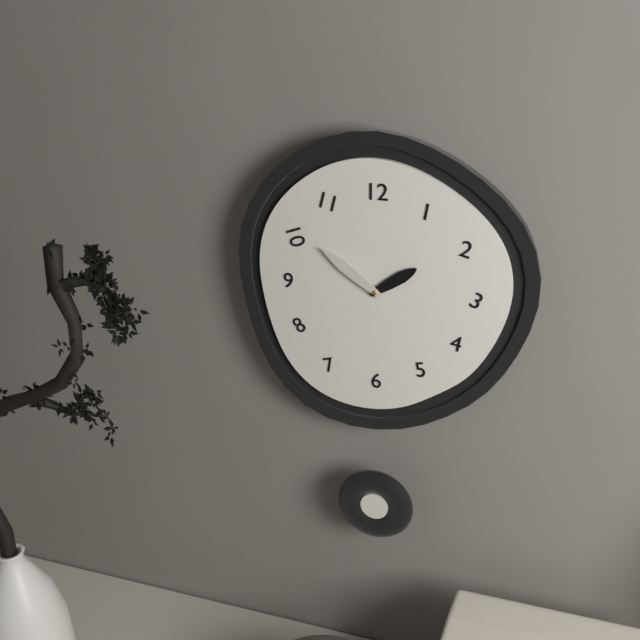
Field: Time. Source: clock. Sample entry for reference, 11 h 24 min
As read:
1 h 51 min
